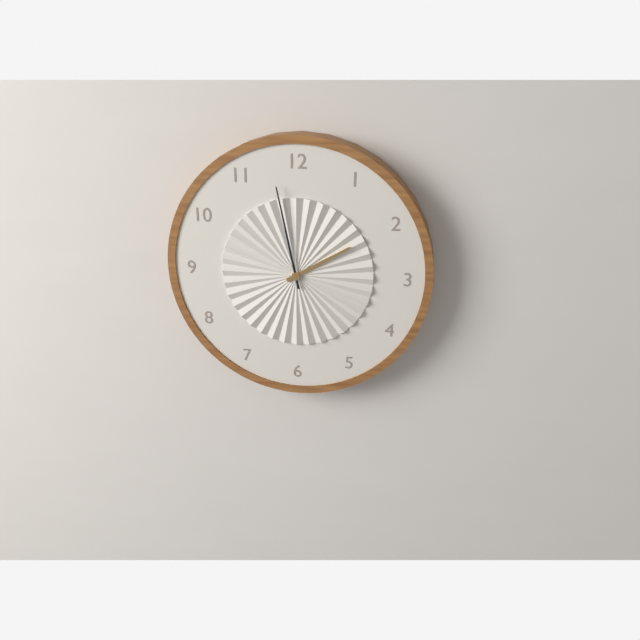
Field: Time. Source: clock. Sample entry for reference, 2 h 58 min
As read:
1 h 58 min
